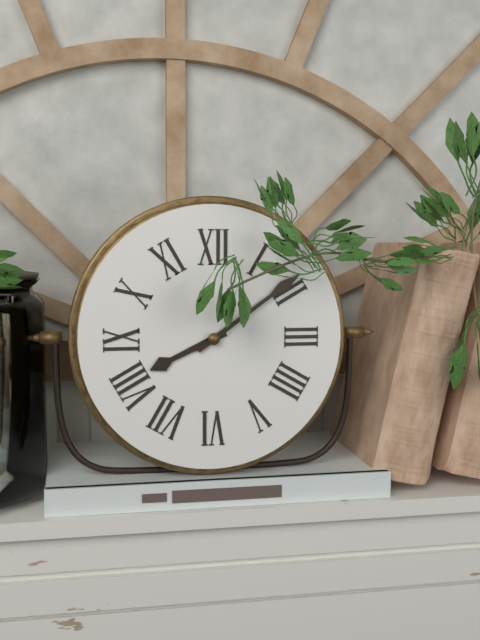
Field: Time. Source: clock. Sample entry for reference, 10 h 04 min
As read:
8 h 09 min
